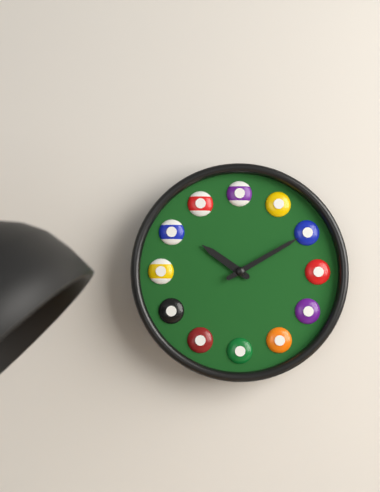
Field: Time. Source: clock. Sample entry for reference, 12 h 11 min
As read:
10 h 10 min
